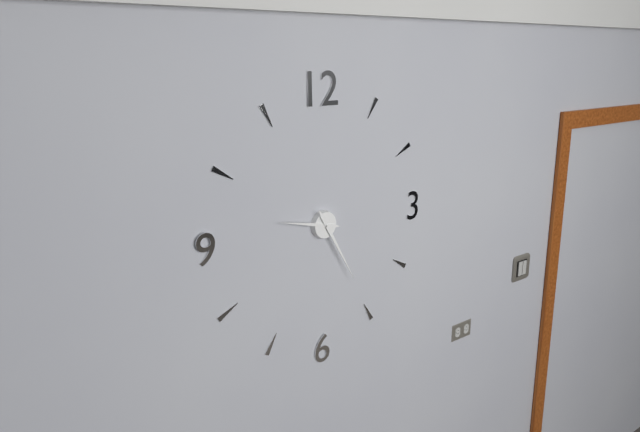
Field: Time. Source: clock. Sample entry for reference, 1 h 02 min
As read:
9 h 25 min
